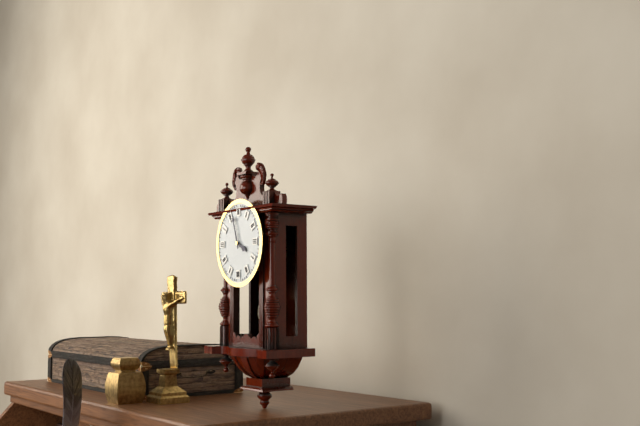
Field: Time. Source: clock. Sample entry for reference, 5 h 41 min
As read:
3 h 57 min
